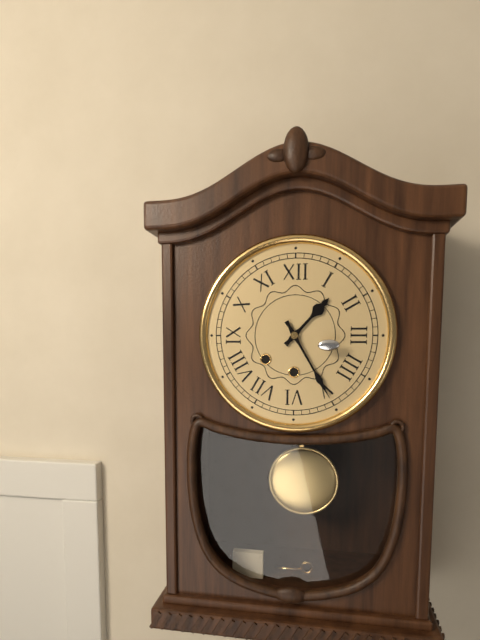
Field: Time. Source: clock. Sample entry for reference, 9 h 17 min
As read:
1 h 25 min
